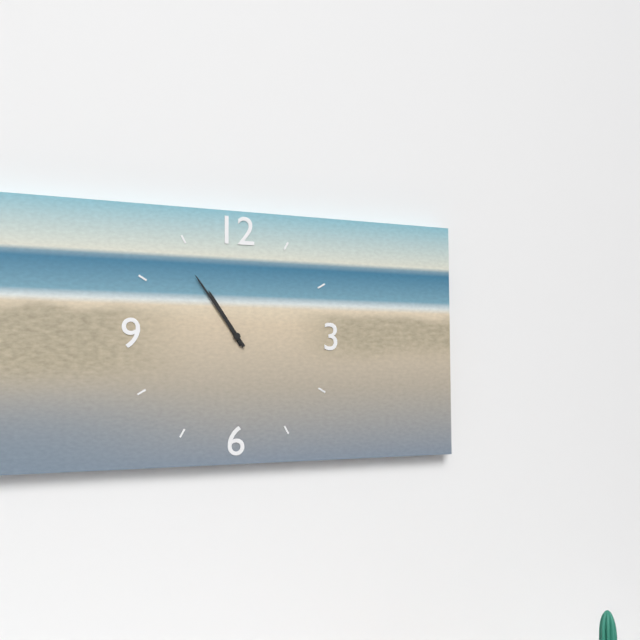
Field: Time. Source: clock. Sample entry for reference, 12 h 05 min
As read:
10 h 54 min
